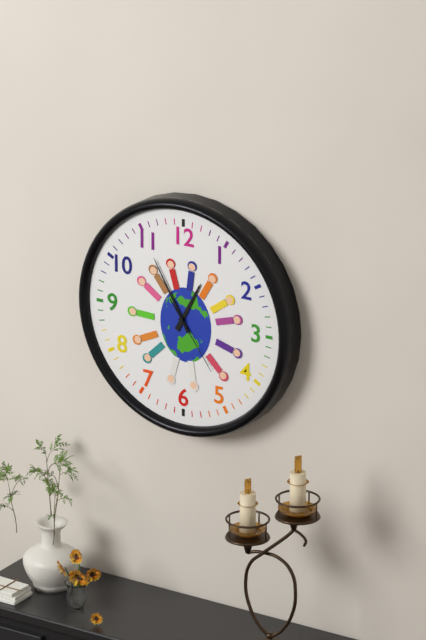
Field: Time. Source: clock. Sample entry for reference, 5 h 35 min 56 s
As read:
12 h 55 min 24 s
